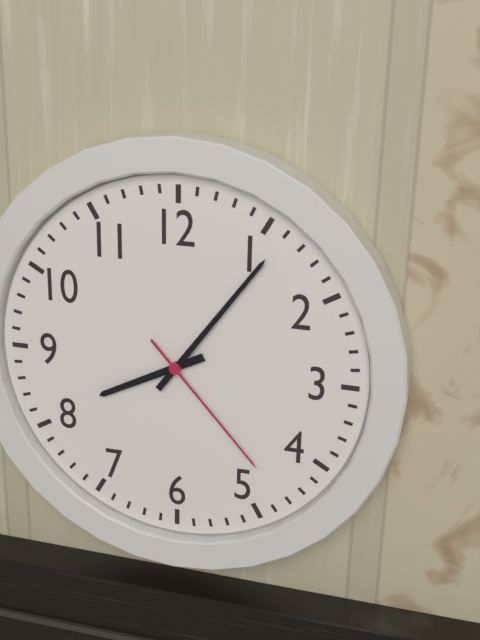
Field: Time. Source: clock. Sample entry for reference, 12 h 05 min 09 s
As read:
8 h 06 min 23 s
